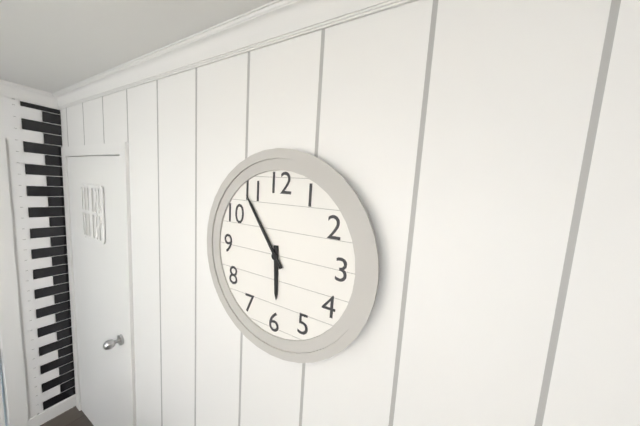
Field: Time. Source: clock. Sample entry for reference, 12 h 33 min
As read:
5 h 54 min
